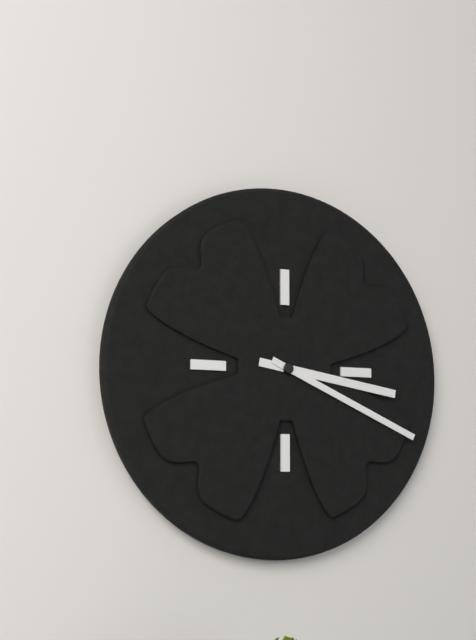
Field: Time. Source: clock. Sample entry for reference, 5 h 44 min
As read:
3 h 19 min
